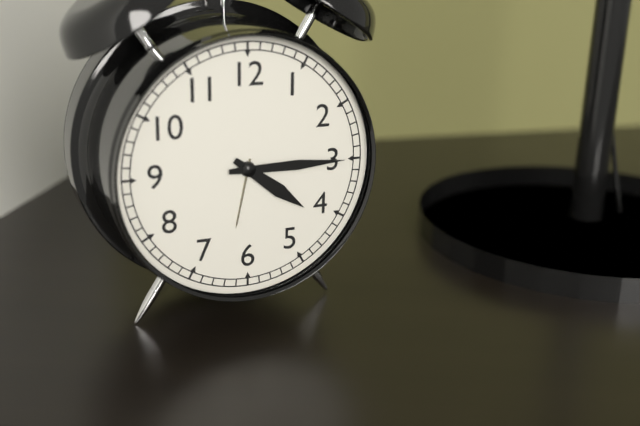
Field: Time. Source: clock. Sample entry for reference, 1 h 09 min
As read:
4 h 15 min
